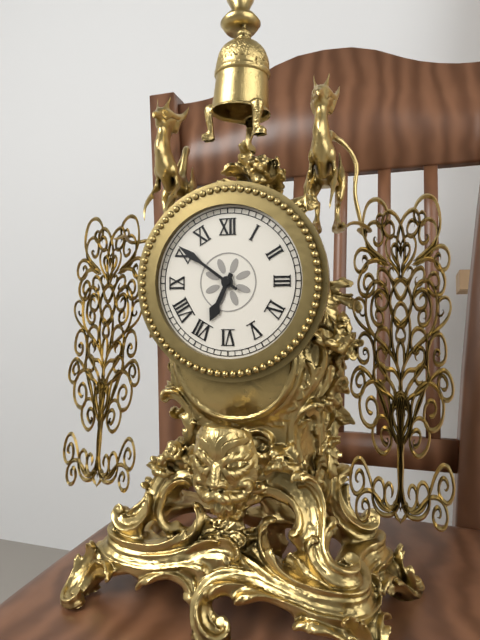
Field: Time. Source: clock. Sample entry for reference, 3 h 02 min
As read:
6 h 51 min
